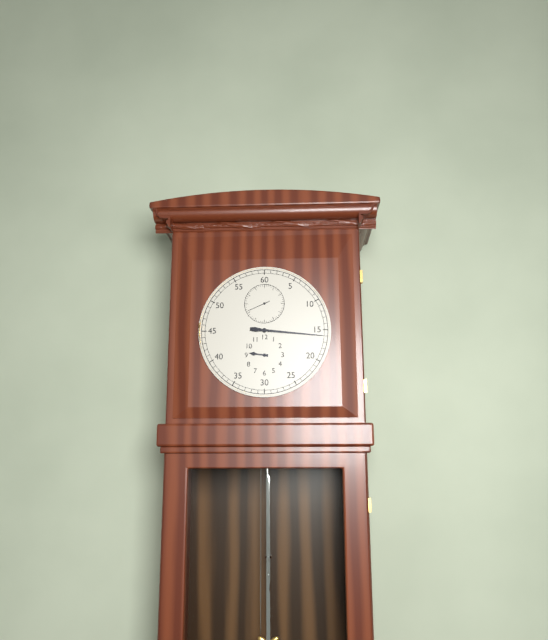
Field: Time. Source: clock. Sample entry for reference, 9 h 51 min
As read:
9 h 16 min
